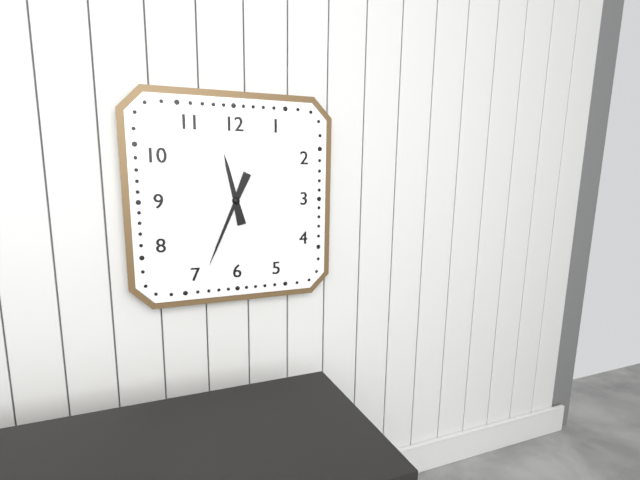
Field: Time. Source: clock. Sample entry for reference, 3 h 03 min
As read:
11 h 34 min
